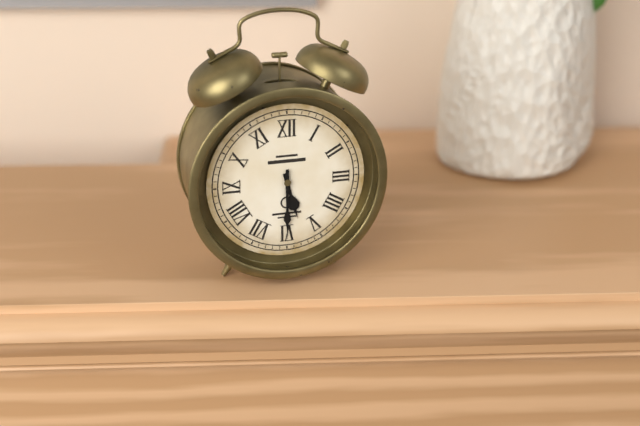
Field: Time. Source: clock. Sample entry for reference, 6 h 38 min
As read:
5 h 30 min
